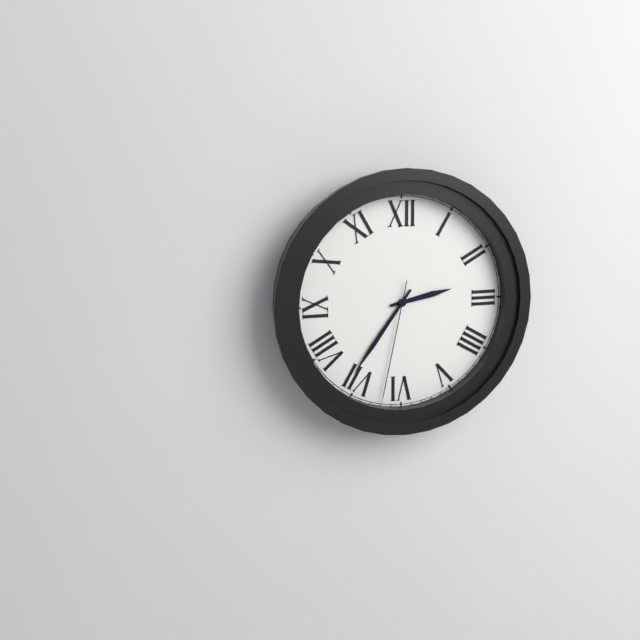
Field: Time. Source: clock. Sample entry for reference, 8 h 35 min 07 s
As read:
2 h 36 min 32 s
